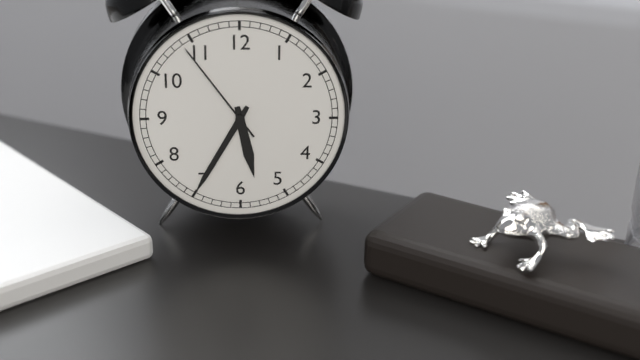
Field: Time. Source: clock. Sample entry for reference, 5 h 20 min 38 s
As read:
5 h 35 min 54 s
